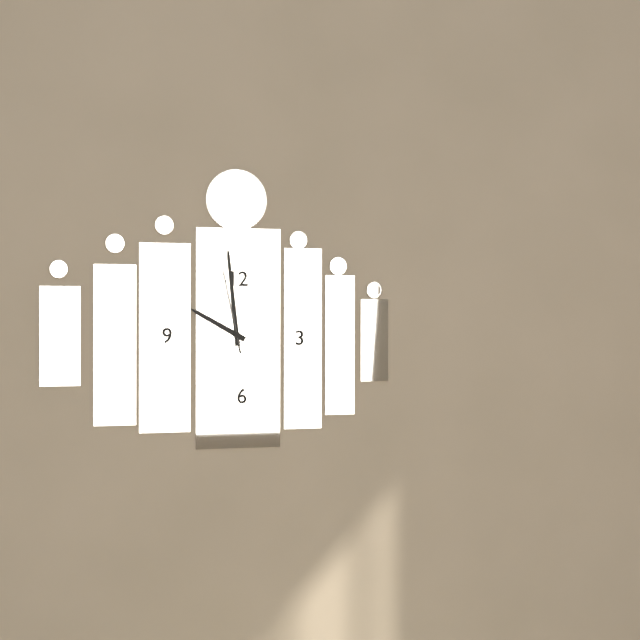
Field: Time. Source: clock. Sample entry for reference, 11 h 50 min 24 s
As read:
9 h 59 min 58 s
